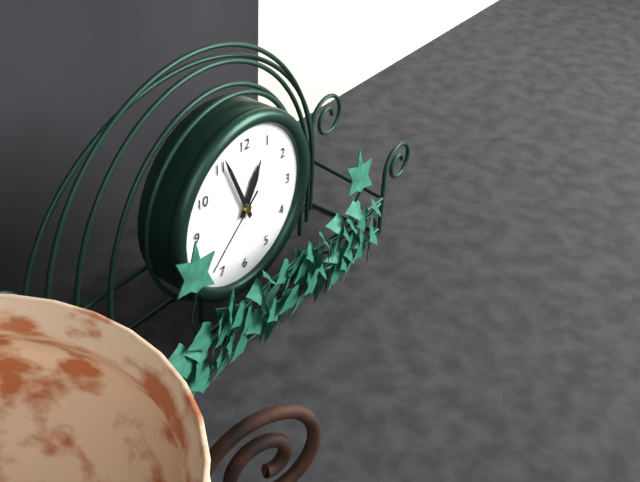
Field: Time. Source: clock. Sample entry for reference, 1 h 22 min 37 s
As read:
12 h 56 min 38 s
